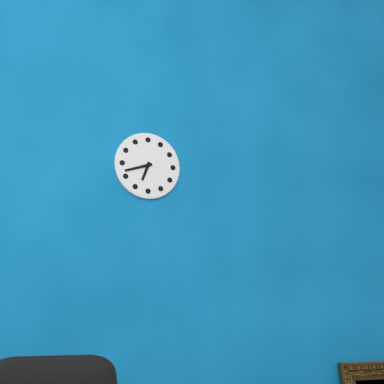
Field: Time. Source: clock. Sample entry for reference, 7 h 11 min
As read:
6 h 42 min
